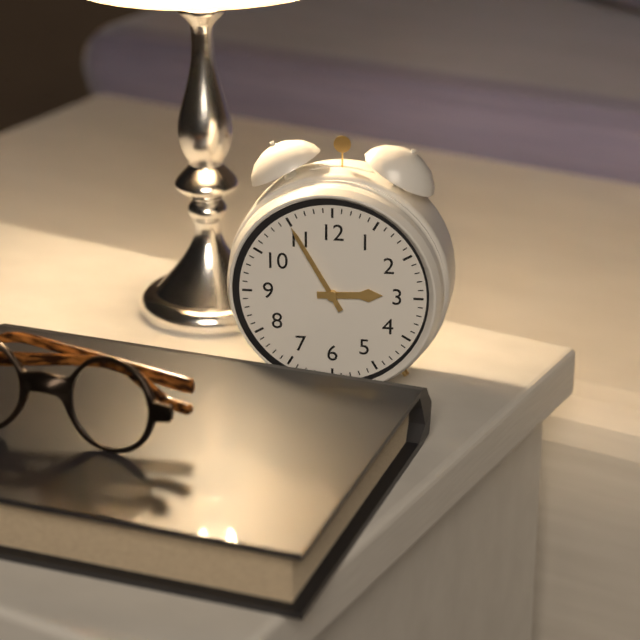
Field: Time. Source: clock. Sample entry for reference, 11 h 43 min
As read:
2 h 55 min
